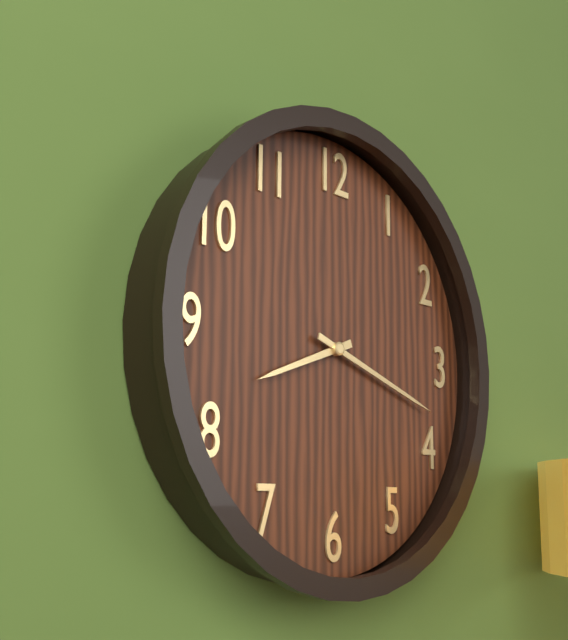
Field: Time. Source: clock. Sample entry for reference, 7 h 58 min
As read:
8 h 18 min
